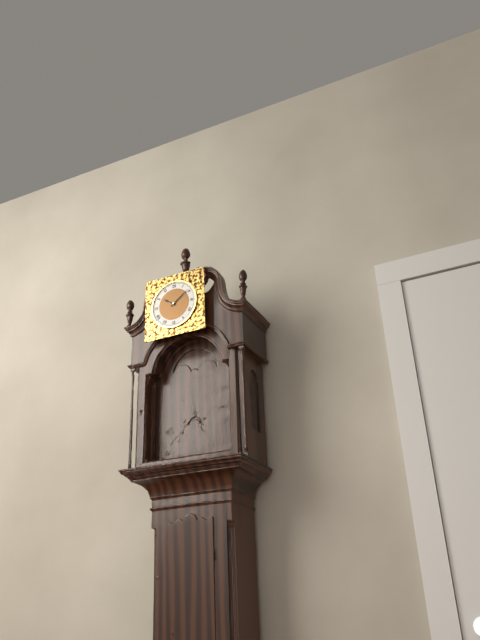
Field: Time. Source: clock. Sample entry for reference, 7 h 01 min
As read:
10 h 09 min
